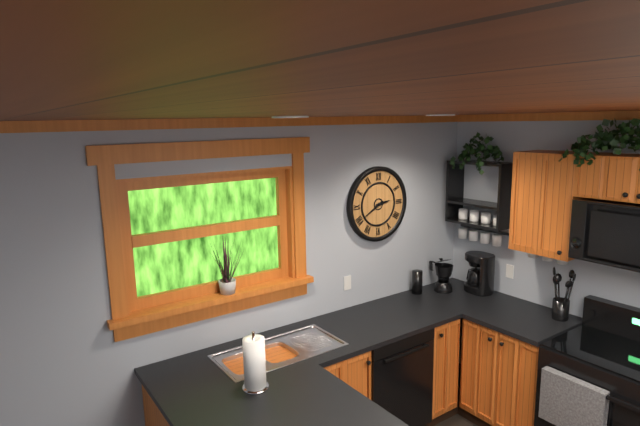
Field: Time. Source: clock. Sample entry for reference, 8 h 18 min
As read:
2 h 40 min
